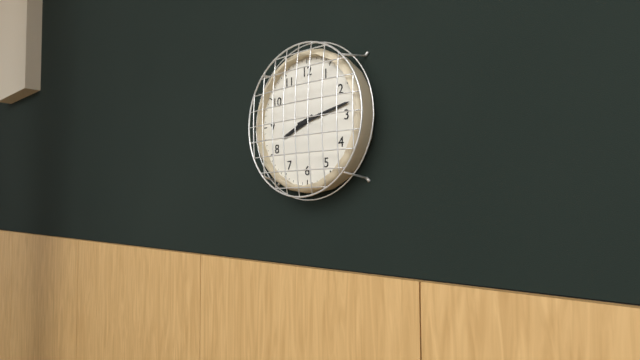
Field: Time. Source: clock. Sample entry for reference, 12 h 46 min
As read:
8 h 13 min
